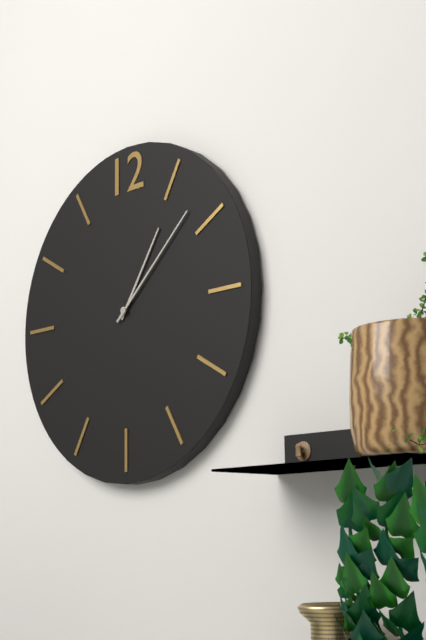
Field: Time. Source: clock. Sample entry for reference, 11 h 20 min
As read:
1 h 08 min
